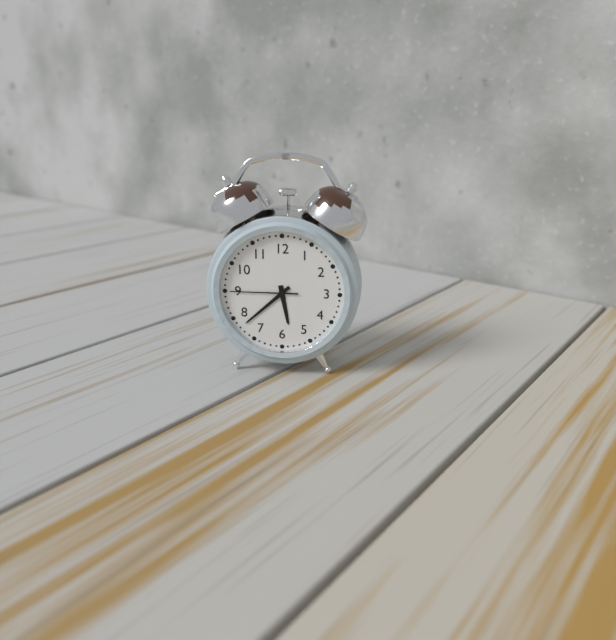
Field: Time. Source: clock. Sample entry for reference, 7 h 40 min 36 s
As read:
5 h 38 min 45 s
